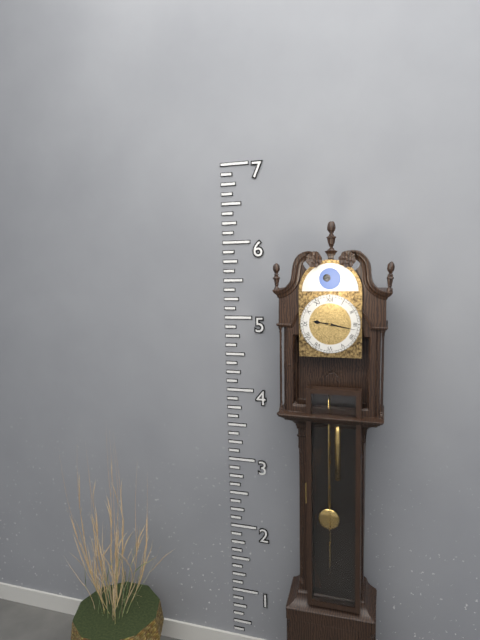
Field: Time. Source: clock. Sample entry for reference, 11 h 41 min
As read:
9 h 17 min
